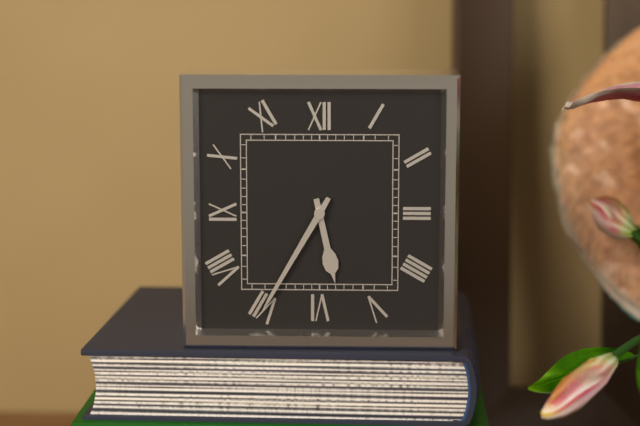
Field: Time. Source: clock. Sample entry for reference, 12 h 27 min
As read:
5 h 35 min
